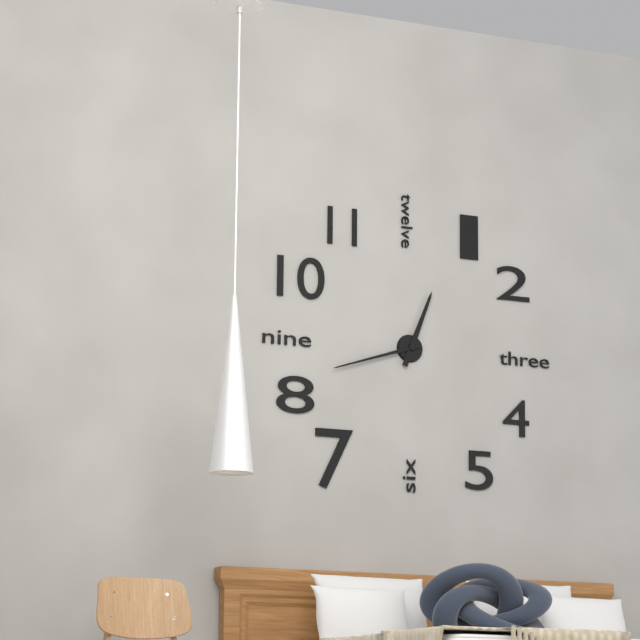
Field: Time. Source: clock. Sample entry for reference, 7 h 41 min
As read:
12 h 42 min
